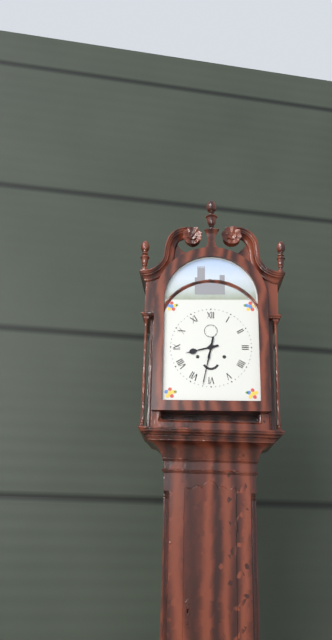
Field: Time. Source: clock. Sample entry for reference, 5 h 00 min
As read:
8 h 32 min
